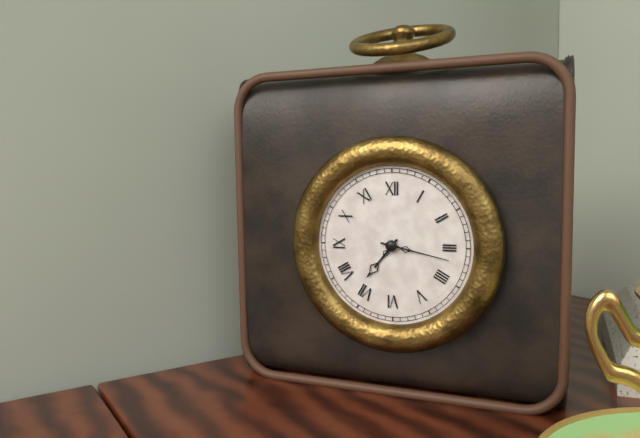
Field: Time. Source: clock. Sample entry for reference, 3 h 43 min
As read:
7 h 17 min
